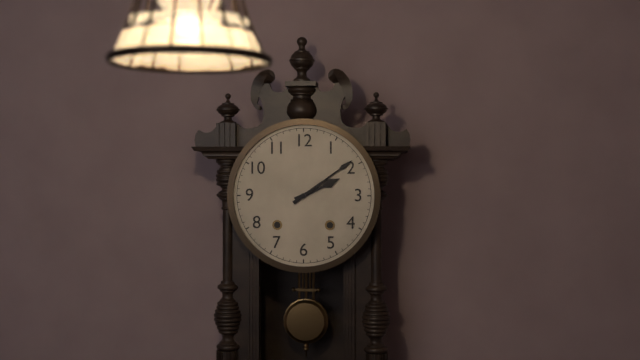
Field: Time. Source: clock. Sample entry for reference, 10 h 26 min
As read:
2 h 09 min
